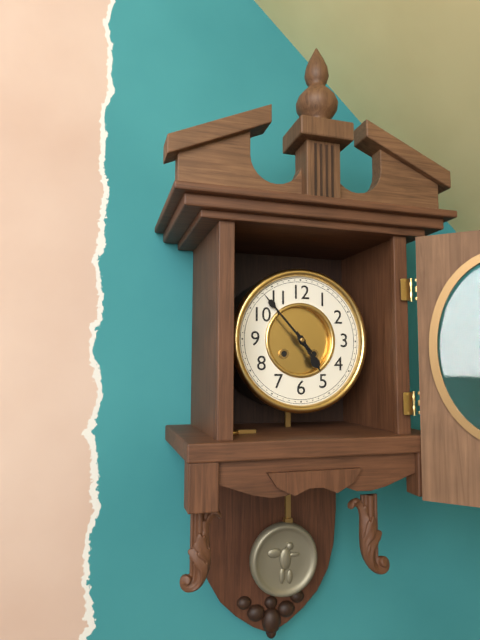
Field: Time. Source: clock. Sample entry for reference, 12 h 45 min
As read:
4 h 53 min
